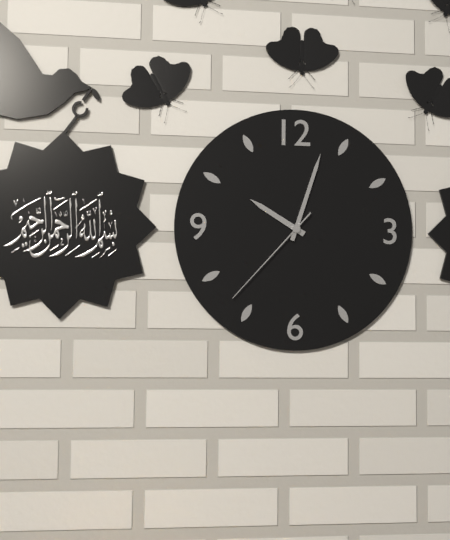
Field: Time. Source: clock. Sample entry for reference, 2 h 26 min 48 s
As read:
10 h 03 min 37 s
